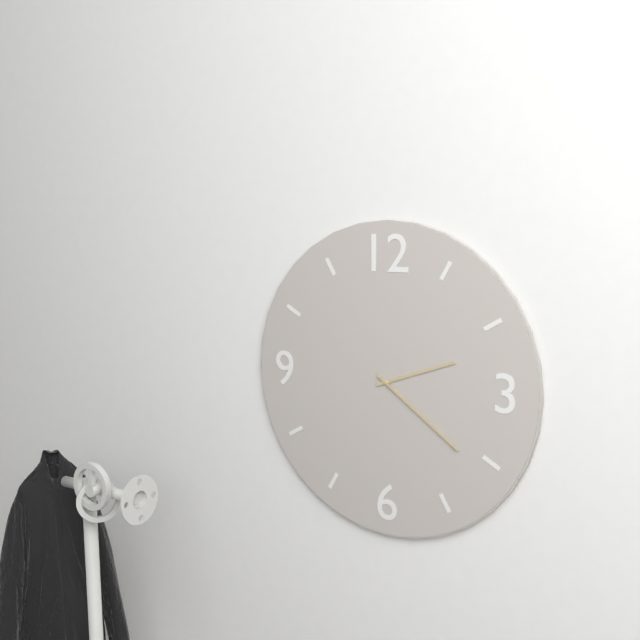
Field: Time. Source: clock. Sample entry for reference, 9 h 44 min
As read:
2 h 21 min
